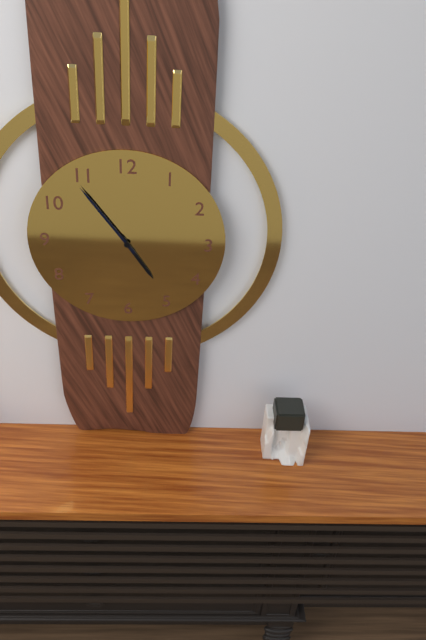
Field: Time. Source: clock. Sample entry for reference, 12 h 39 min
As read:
4 h 54 min
